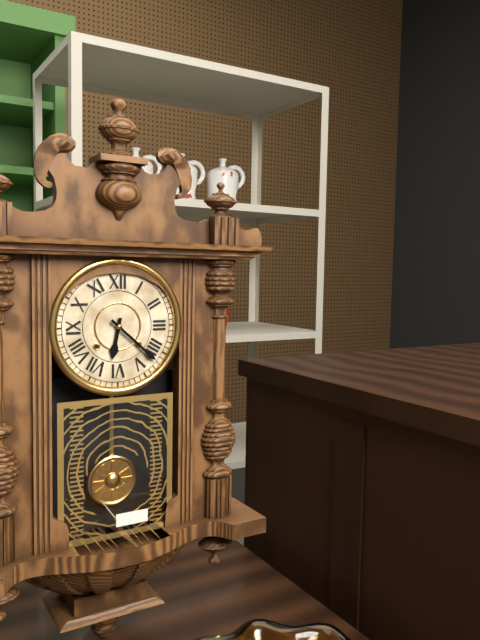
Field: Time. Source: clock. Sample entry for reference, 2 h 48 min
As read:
6 h 22 min
